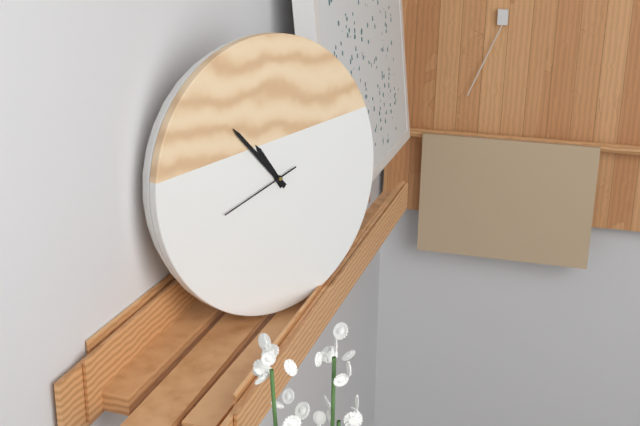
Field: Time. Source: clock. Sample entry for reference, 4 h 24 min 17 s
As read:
10 h 53 min 42 s
